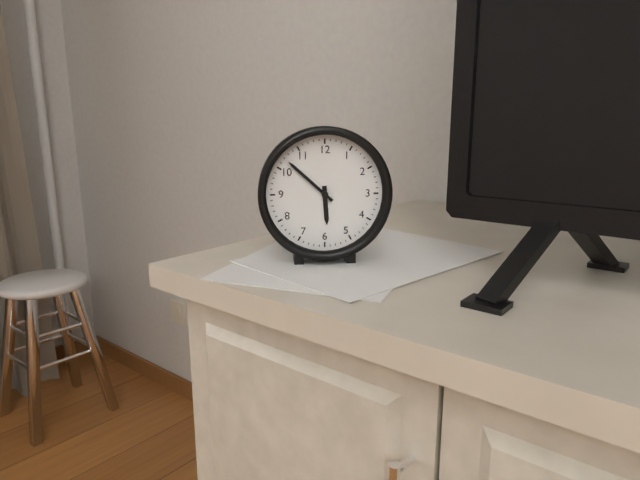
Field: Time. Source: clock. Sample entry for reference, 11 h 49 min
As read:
5 h 52 min
